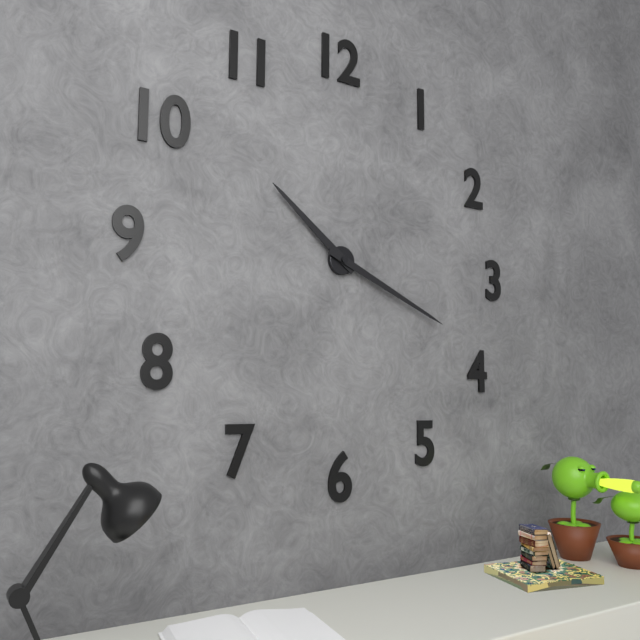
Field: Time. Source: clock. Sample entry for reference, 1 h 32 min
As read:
10 h 19 min
